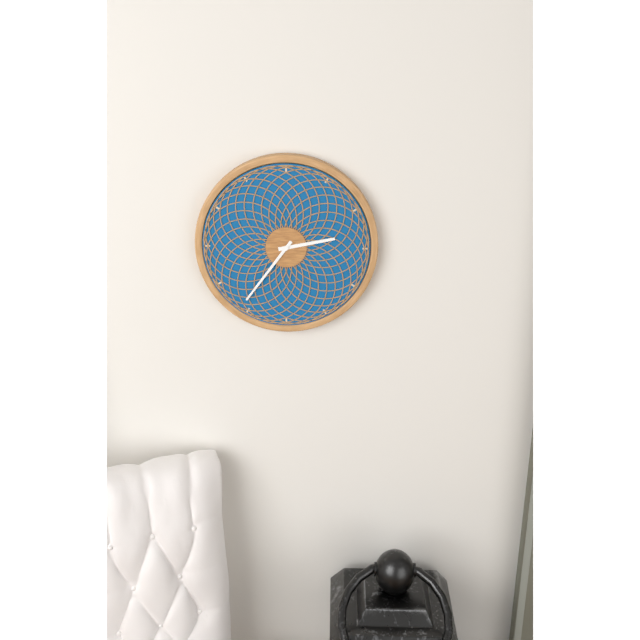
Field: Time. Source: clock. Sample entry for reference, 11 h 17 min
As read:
2 h 36 min
